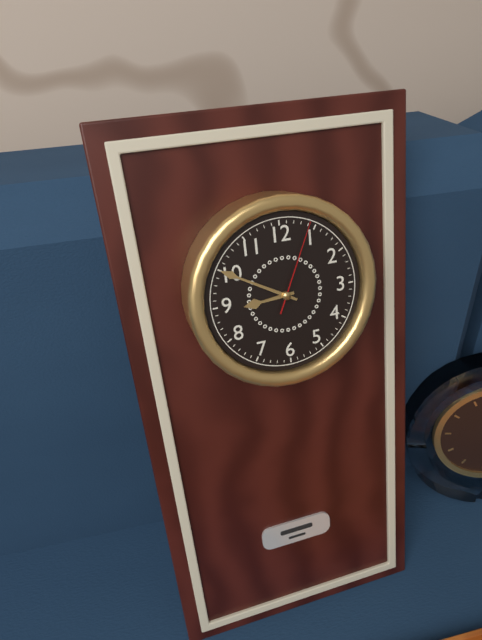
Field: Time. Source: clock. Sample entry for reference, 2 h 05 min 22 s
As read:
8 h 50 min 04 s
